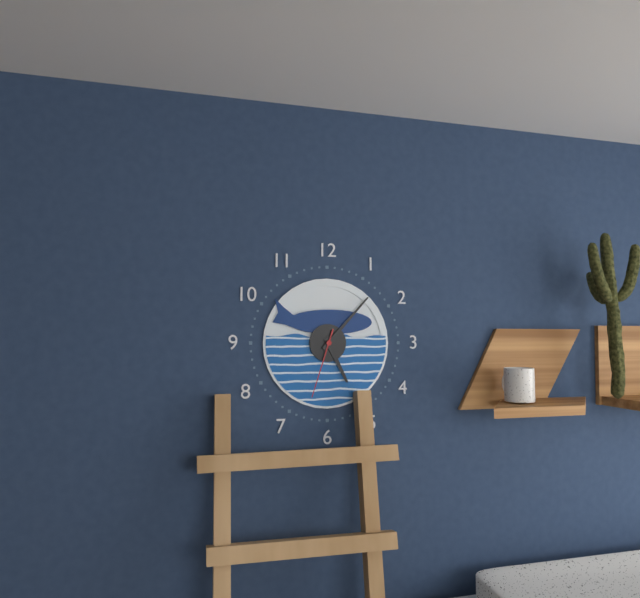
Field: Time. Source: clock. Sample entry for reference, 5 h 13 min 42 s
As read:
5 h 07 min 33 s
